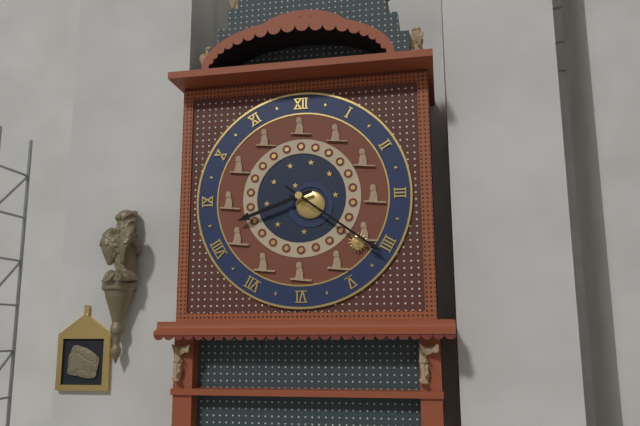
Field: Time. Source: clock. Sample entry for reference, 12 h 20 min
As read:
8 h 21 min
